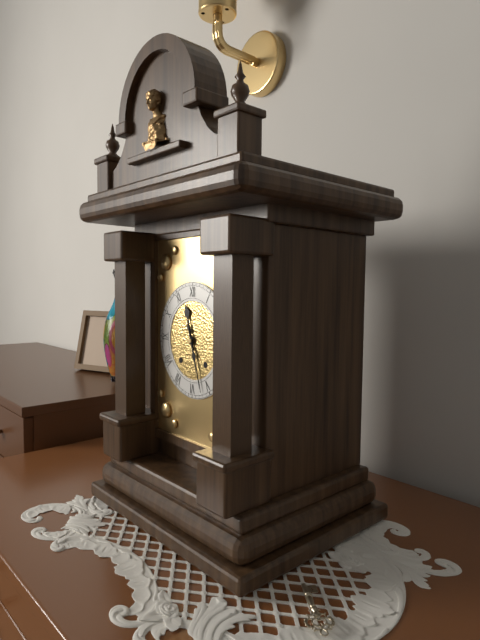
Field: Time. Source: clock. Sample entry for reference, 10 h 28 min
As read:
11 h 27 min
